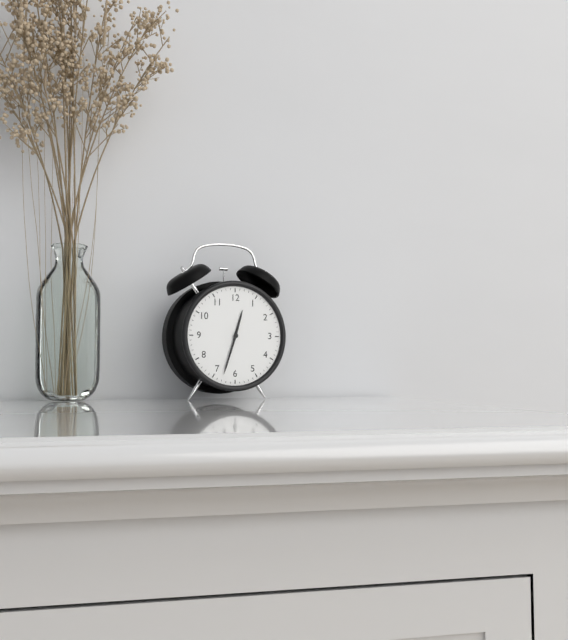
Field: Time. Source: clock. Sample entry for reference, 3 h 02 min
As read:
12 h 33 min
